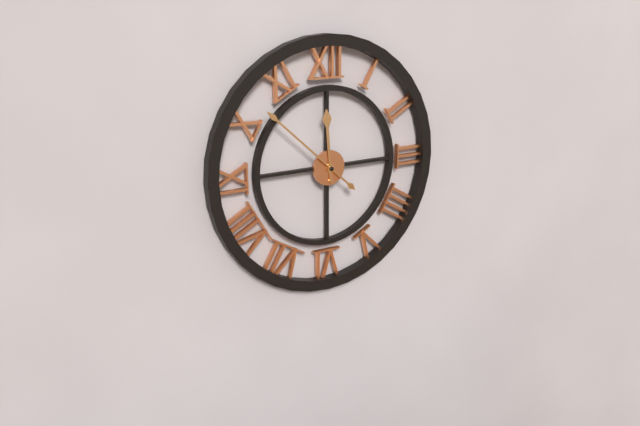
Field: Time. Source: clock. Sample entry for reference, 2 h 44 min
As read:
11 h 52 min
